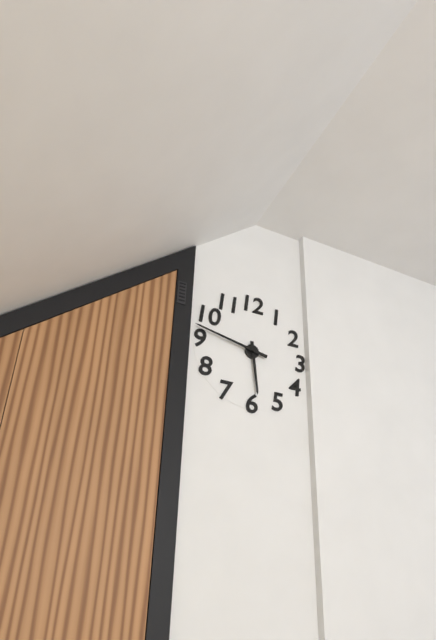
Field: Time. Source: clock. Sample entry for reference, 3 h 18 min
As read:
5 h 47 min
